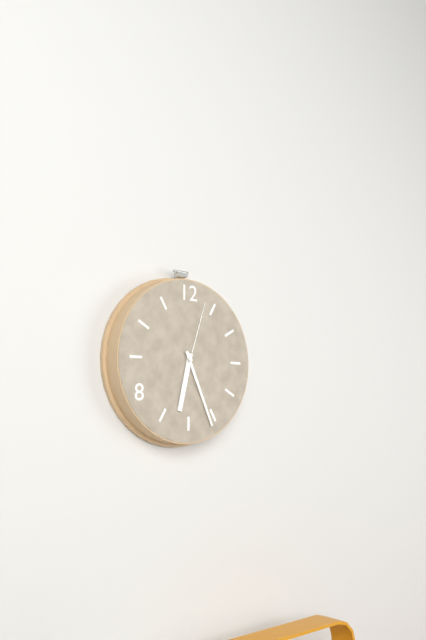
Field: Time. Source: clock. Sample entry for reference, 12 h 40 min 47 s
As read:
6 h 26 min 03 s
